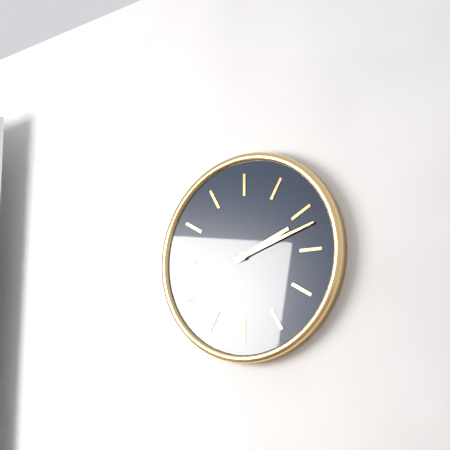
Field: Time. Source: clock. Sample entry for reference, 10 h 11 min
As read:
2 h 12 min
